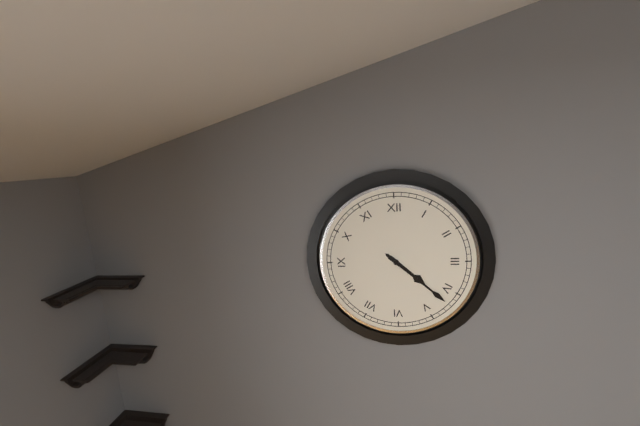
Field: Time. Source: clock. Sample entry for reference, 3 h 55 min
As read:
4 h 22 min
